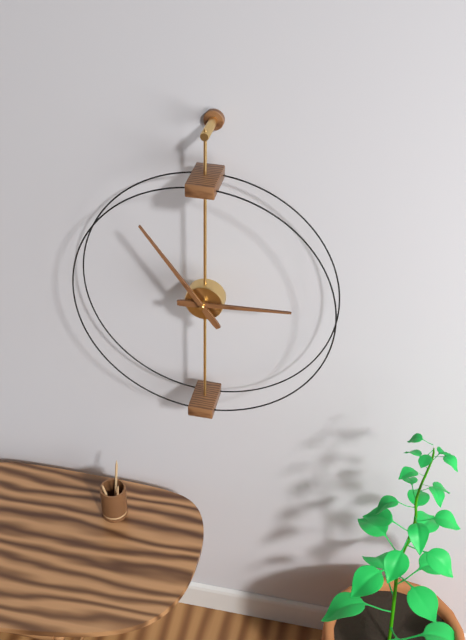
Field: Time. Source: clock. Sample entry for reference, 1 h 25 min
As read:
2 h 54 min
